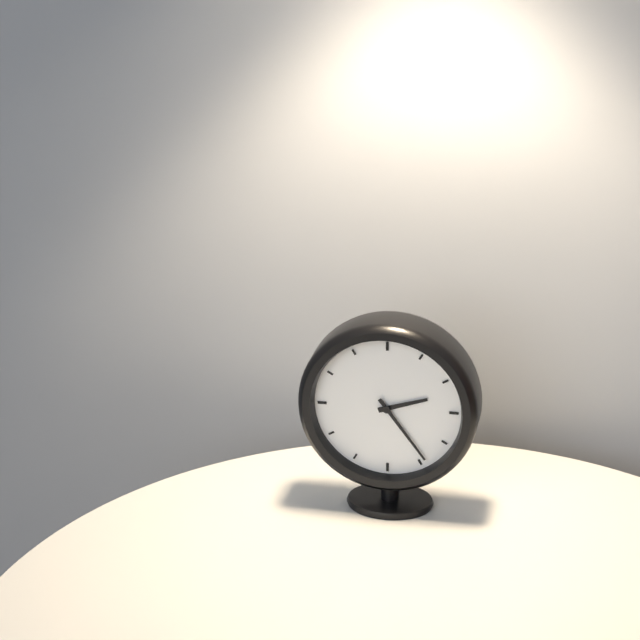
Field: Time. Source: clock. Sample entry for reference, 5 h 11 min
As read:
2 h 24 min
